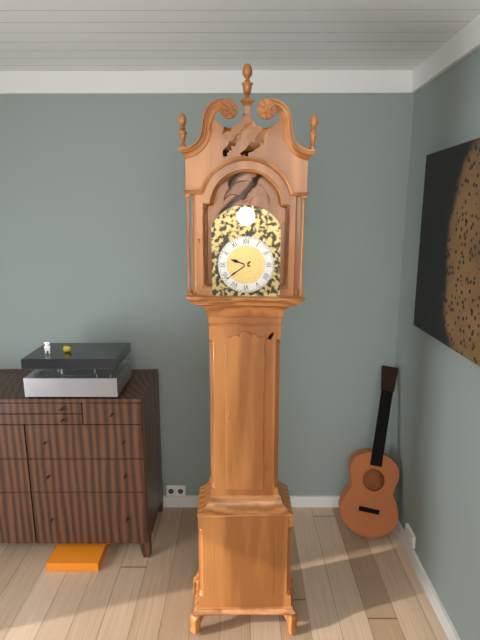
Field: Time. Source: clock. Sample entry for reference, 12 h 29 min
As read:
9 h 39 min
